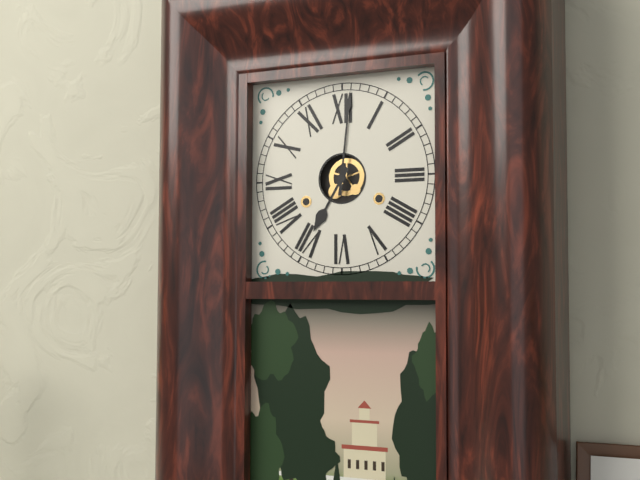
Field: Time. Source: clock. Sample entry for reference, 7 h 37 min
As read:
7 h 01 min
